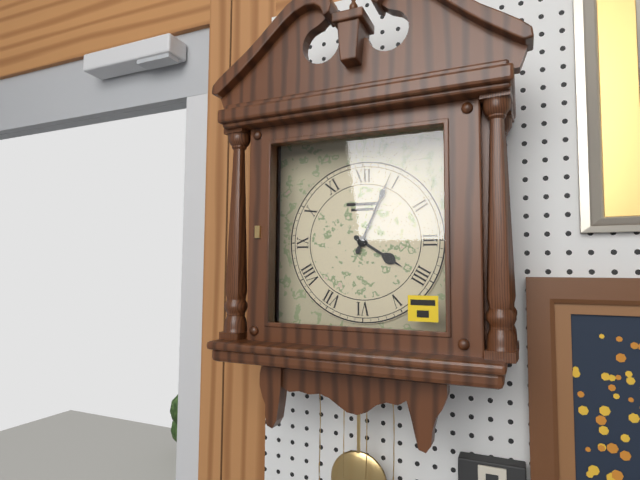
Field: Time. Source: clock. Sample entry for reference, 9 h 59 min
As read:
4 h 04 min
